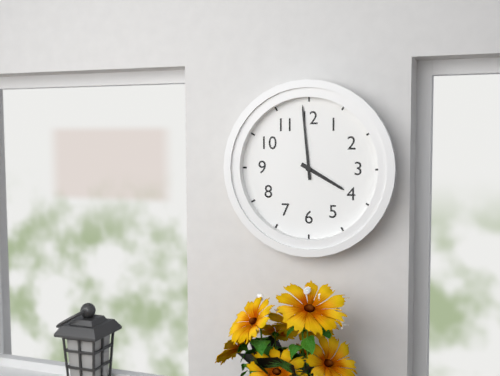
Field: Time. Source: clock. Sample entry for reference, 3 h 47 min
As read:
3 h 59 min
